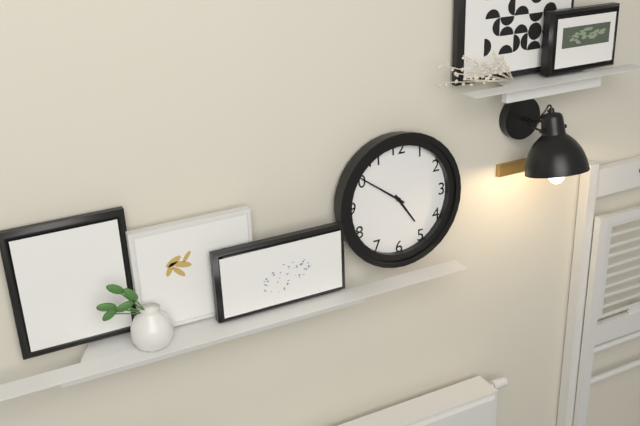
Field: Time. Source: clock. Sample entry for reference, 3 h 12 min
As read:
4 h 51 min
